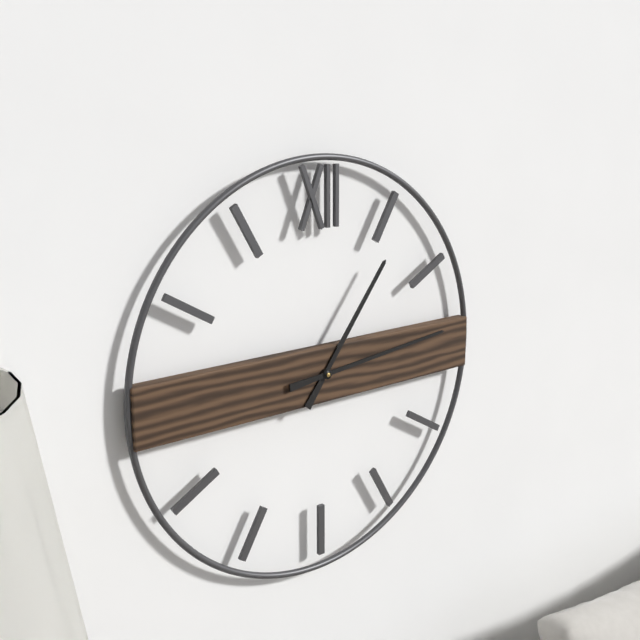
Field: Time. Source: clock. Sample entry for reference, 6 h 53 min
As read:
1 h 14 min
